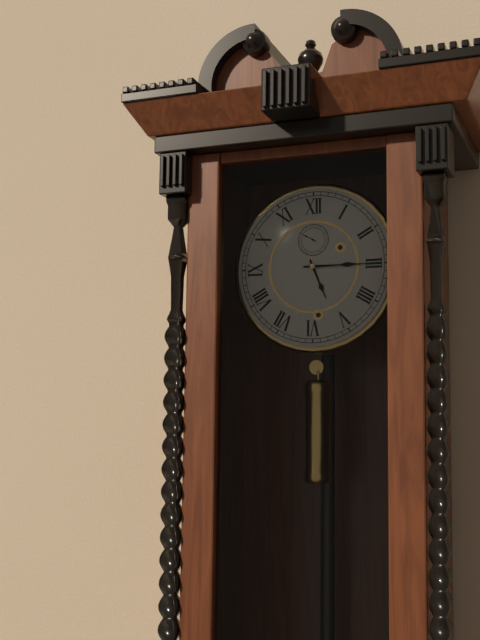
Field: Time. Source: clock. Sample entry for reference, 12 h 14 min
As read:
5 h 15 min
